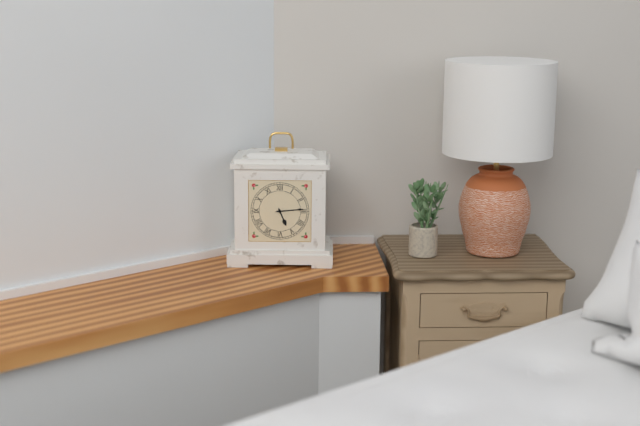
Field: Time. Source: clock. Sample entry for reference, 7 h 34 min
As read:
5 h 14 min
